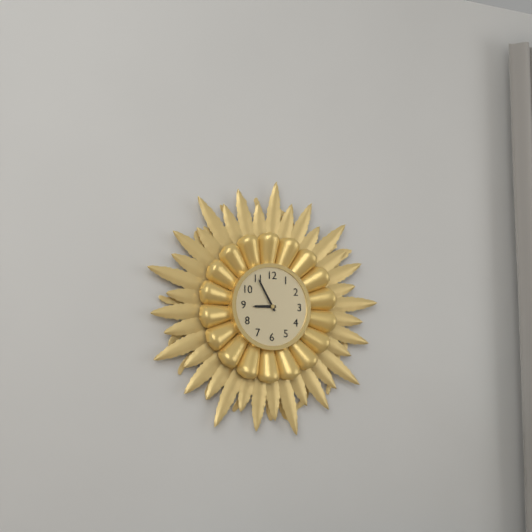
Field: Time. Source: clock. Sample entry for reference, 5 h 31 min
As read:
8 h 55 min
